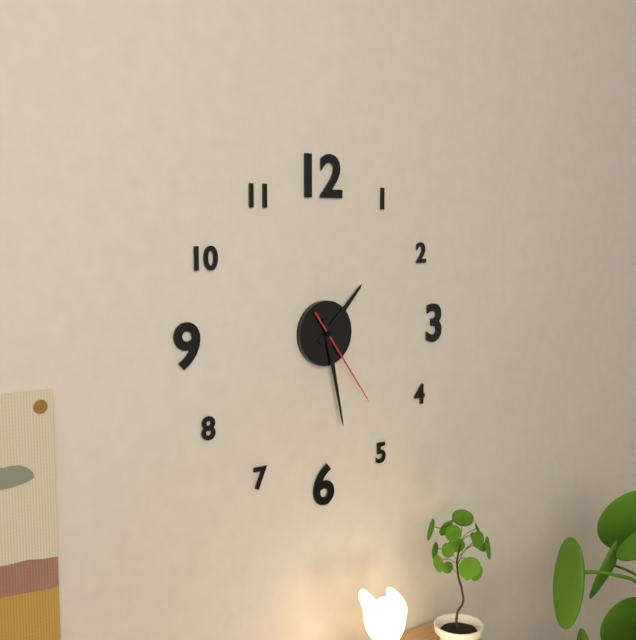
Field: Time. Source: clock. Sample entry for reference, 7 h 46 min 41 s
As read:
1 h 28 min 24 s
